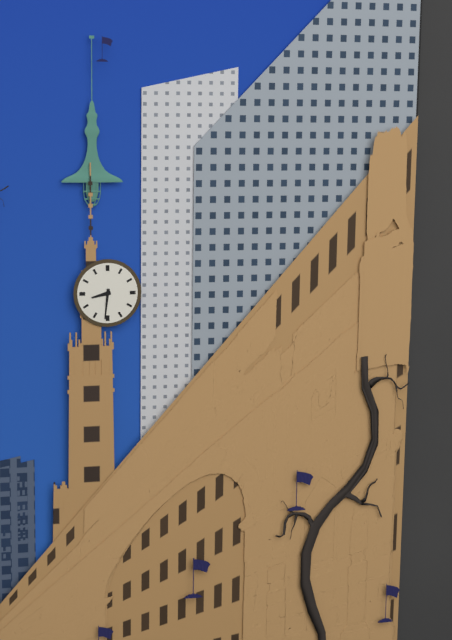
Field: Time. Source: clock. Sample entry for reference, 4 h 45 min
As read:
8 h 31 min
